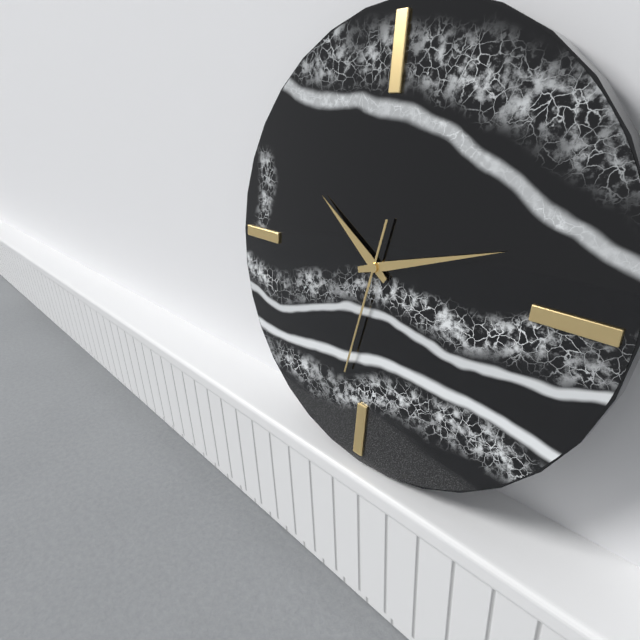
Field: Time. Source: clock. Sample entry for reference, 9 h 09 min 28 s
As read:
10 h 12 min 32 s
